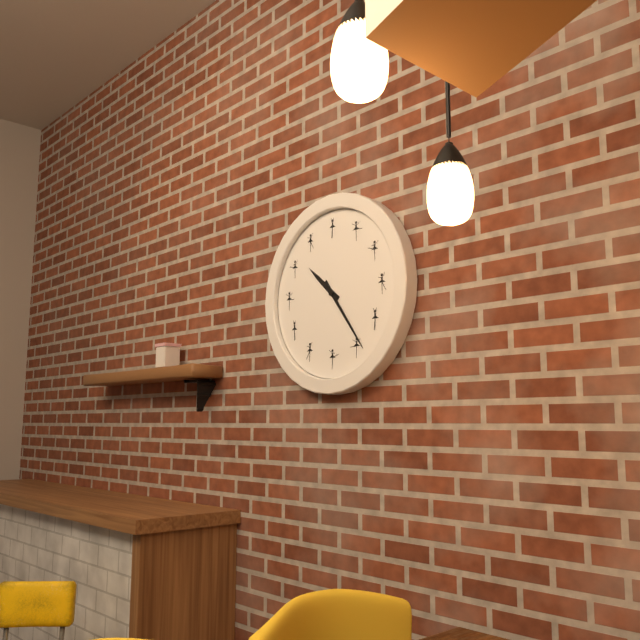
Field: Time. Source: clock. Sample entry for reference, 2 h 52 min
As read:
10 h 24 min
